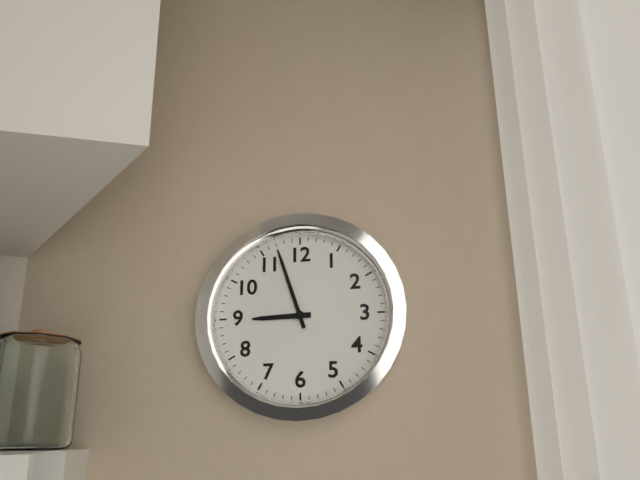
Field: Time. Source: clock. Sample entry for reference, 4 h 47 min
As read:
8 h 57 min
